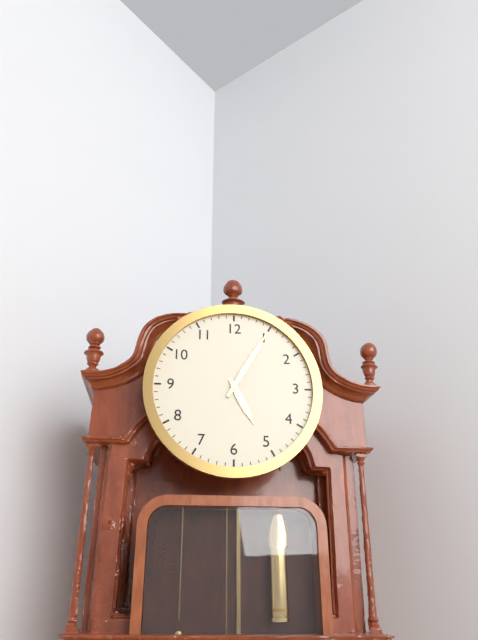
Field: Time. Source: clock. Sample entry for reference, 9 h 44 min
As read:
5 h 05 min
